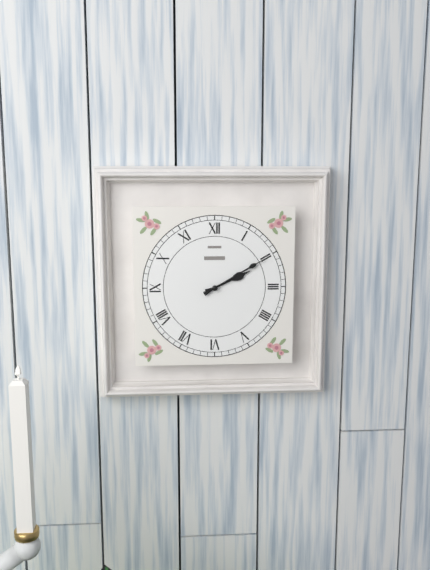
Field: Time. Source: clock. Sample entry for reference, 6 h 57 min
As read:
2 h 10 min
